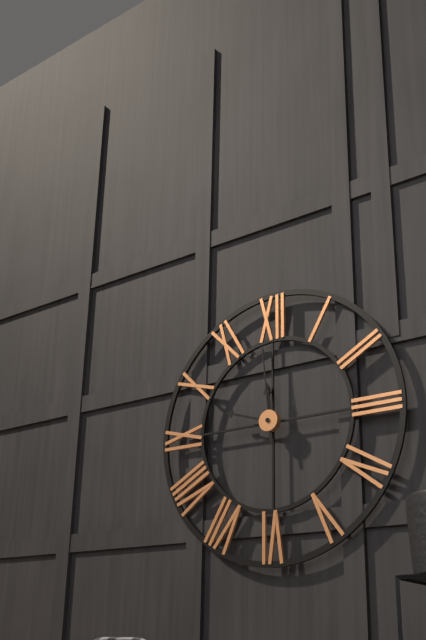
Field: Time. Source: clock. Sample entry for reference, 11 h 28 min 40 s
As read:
11 h 48 min 59 s
